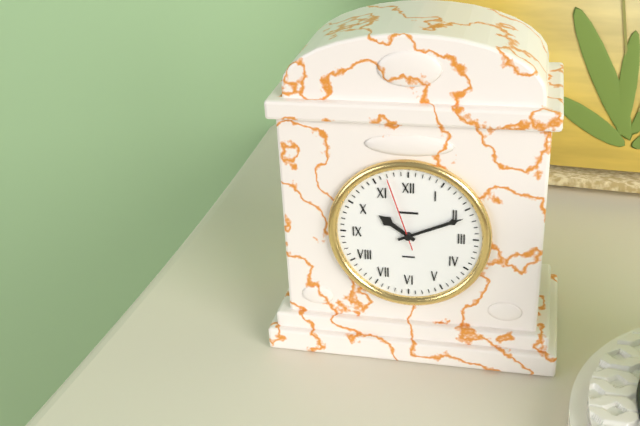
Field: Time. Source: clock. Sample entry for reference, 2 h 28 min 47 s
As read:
10 h 11 min 57 s
